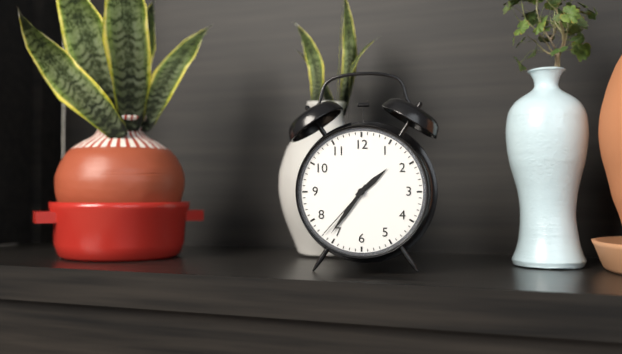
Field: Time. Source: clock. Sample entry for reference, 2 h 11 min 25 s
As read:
1 h 36 min 37 s
